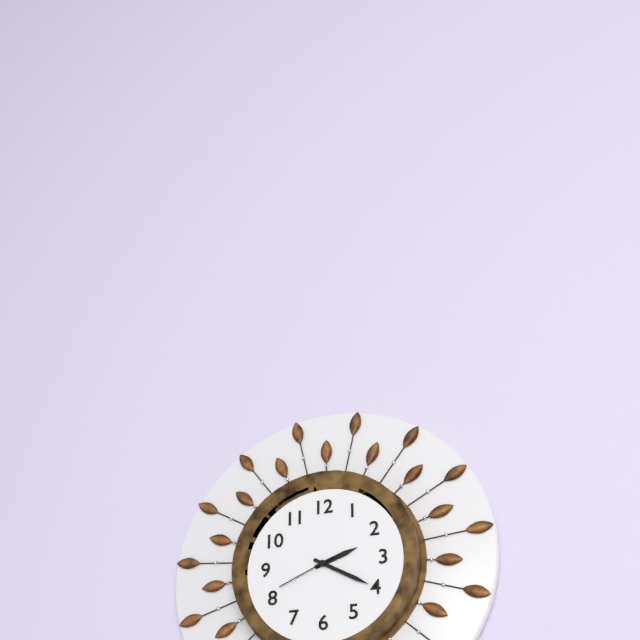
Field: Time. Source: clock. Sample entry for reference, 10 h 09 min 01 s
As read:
2 h 20 min 41 s
